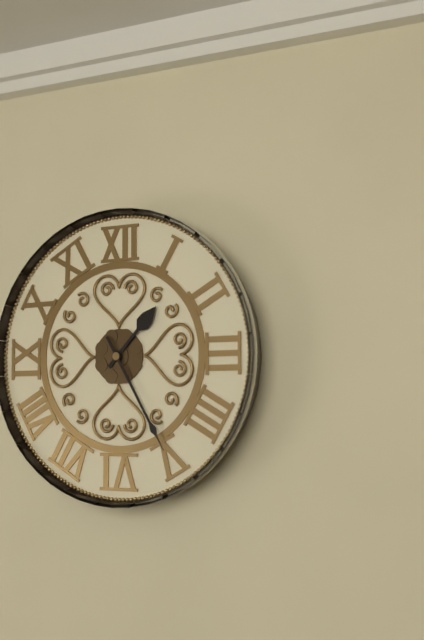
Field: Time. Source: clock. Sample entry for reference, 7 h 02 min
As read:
1 h 25 min
